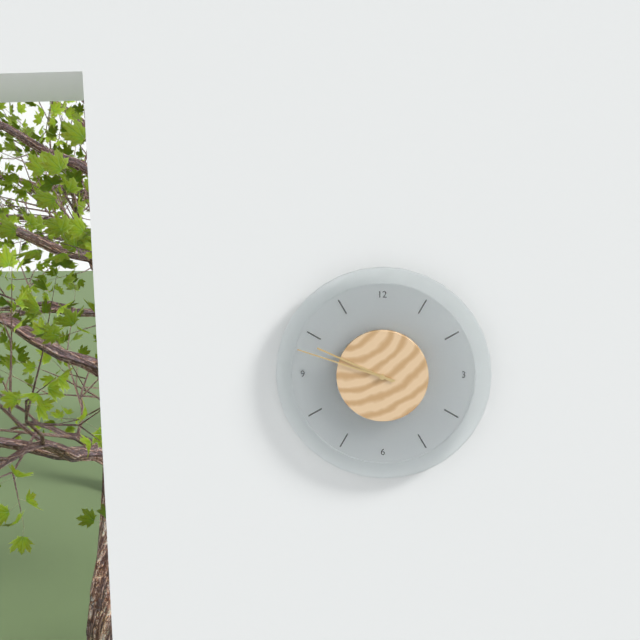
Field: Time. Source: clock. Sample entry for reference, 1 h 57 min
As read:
9 h 48 min
